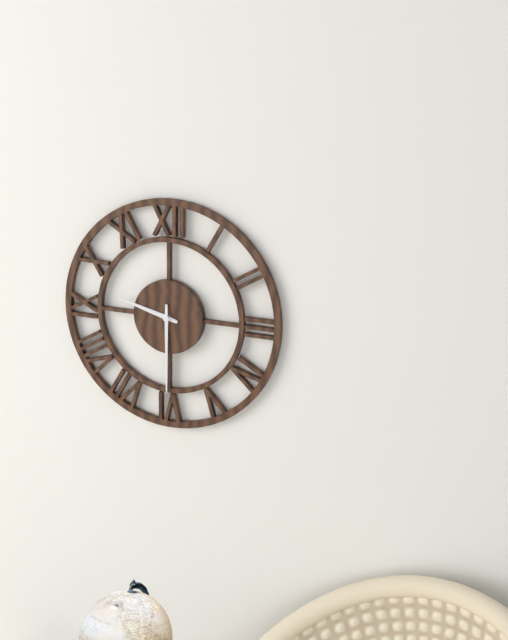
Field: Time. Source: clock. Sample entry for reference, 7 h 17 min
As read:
9 h 30 min
